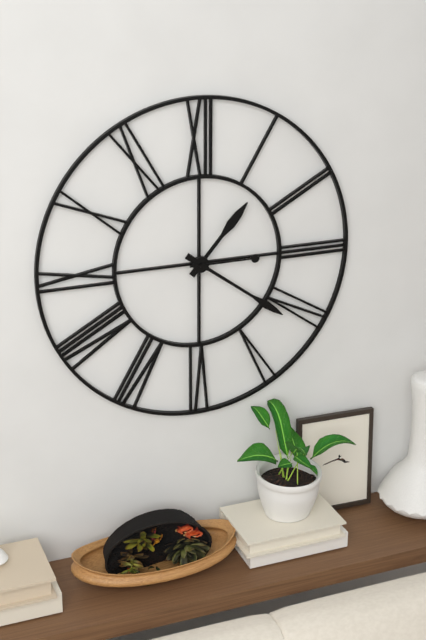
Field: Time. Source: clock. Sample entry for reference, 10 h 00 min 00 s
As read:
1 h 21 min 15 s
